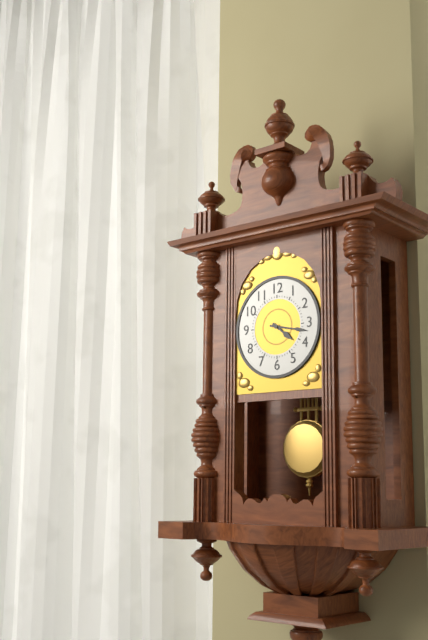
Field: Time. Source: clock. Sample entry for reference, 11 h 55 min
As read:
4 h 17 min
